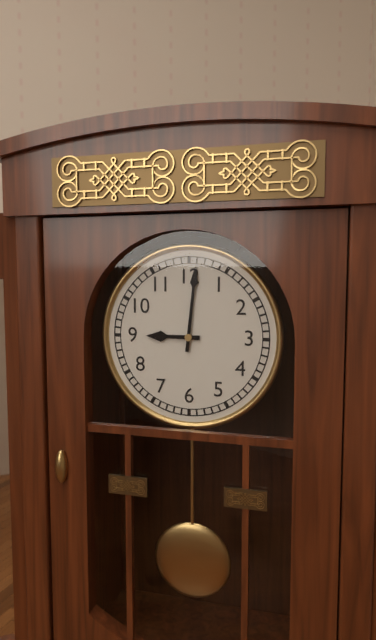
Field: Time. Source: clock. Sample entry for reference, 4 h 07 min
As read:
9 h 01 min
